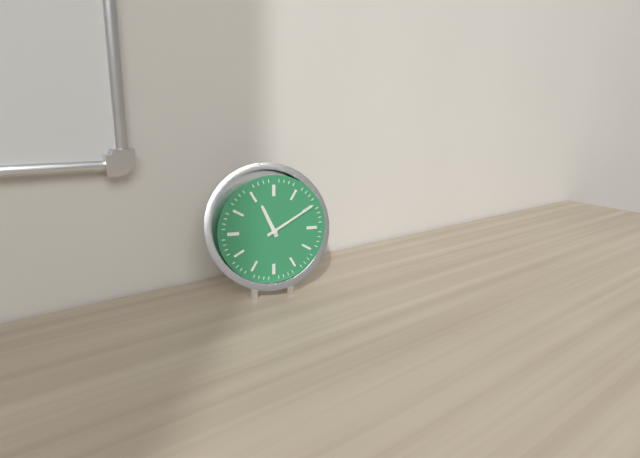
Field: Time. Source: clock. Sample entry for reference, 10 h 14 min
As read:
11 h 10 min
